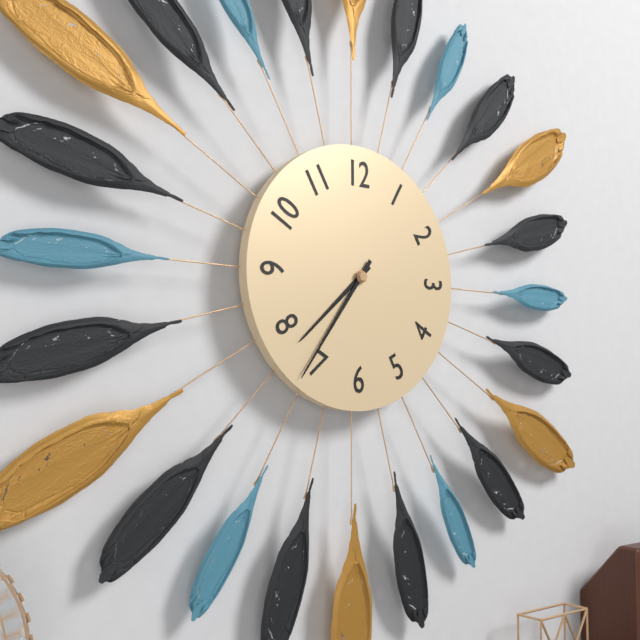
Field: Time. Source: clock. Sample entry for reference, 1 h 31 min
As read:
7 h 36 min
